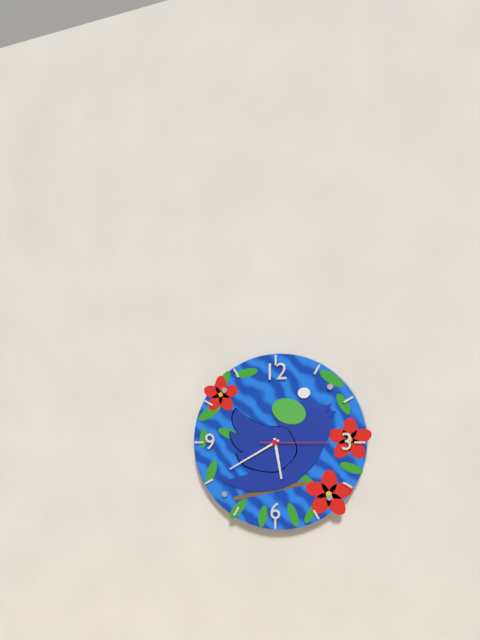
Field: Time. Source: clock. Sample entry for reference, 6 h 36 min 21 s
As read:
5 h 40 min 15 s
